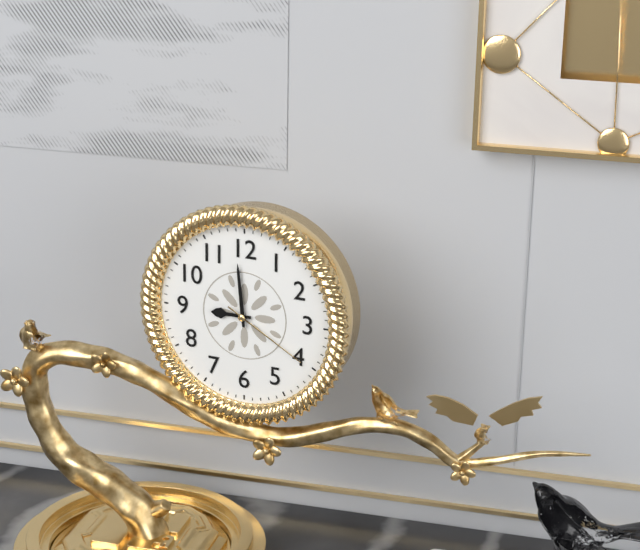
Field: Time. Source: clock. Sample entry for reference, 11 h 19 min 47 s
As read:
8 h 59 min 20 s
